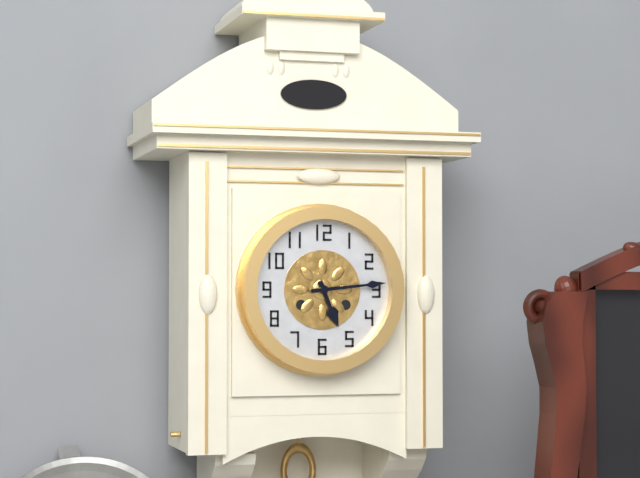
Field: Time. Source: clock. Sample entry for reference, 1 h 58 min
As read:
5 h 14 min
